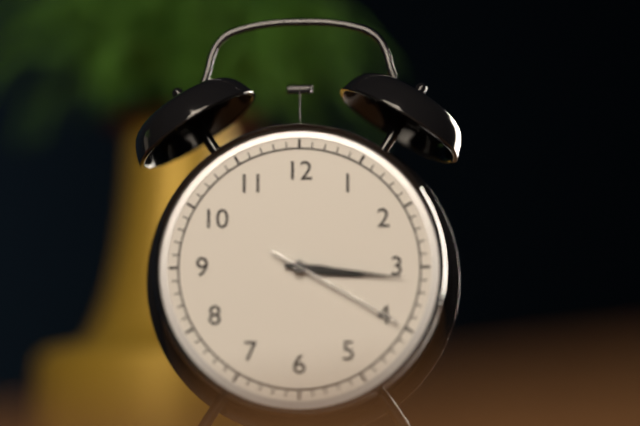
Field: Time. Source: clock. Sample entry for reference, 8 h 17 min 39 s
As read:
3 h 16 min 20 s
